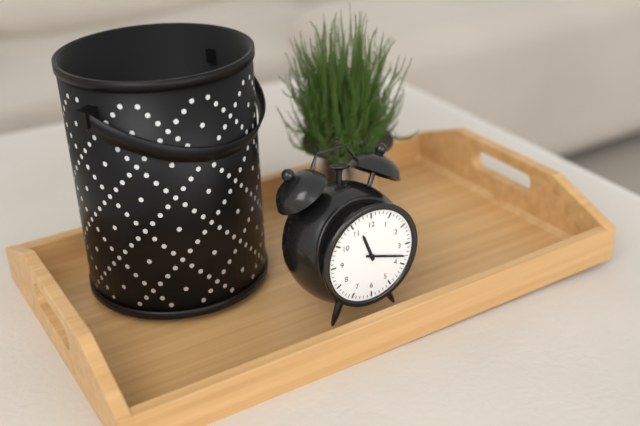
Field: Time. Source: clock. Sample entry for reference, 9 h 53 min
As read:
11 h 18 min
